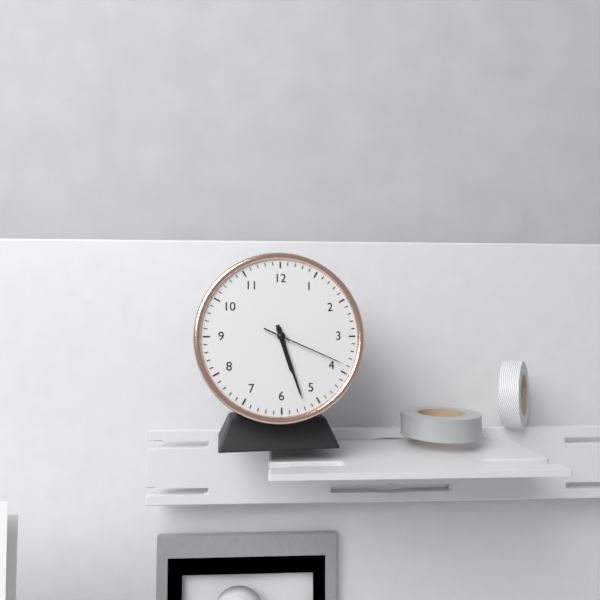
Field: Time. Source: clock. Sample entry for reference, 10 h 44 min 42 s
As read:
5 h 27 min 19 s
